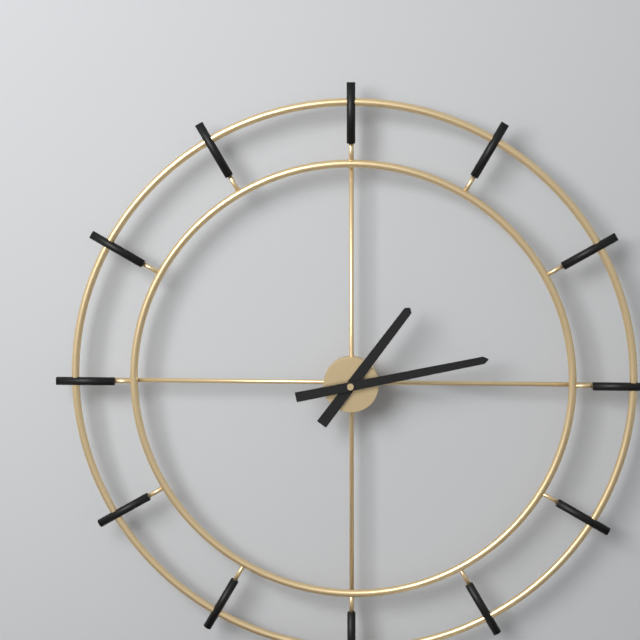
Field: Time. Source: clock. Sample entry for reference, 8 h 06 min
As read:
1 h 13 min
